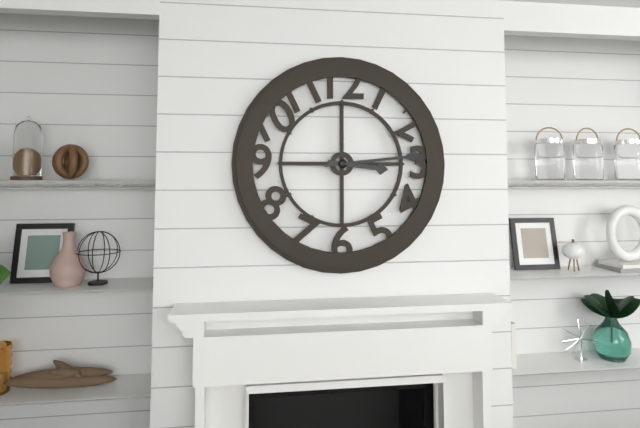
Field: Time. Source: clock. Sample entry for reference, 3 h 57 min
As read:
3 h 14 min
